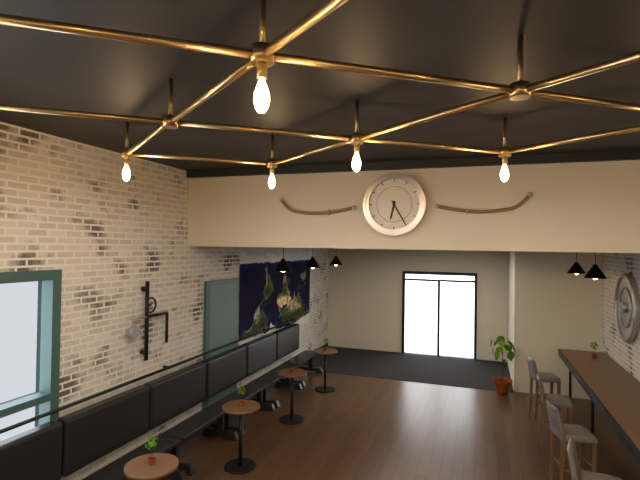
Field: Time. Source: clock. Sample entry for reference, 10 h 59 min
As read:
6 h 25 min
